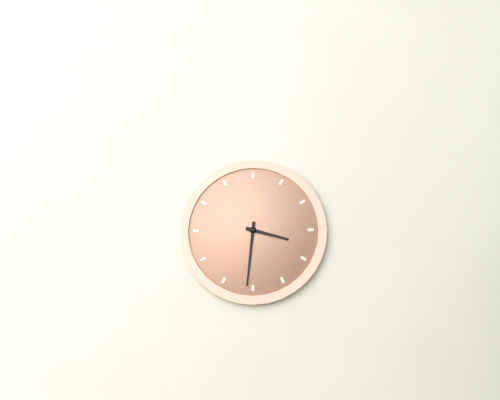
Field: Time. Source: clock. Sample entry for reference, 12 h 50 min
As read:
3 h 31 min
